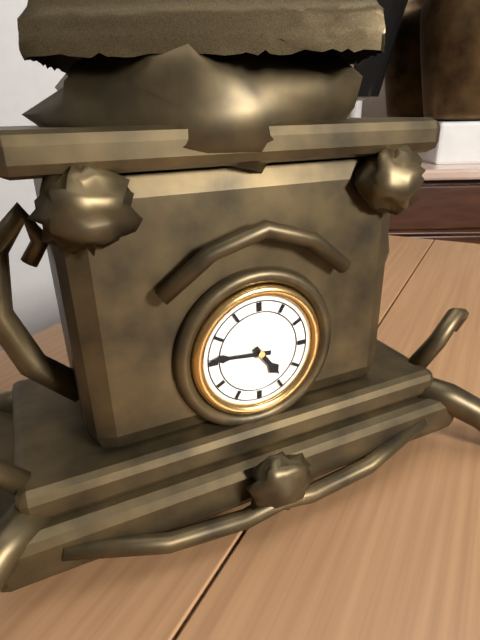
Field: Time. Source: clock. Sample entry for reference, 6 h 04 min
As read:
4 h 46 min
